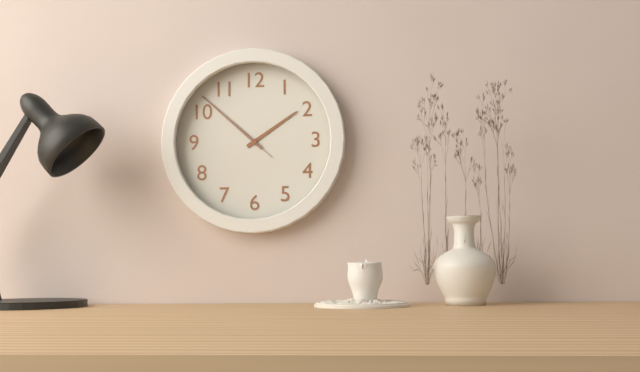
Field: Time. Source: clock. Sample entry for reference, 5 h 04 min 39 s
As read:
1 h 52 min 52 s
